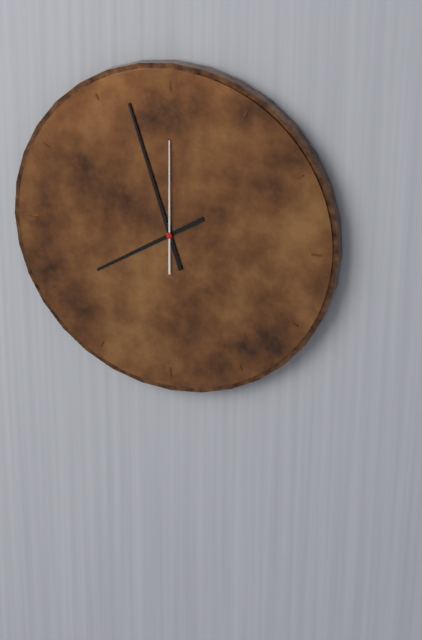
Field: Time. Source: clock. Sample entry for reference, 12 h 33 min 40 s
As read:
7 h 57 min 00 s
